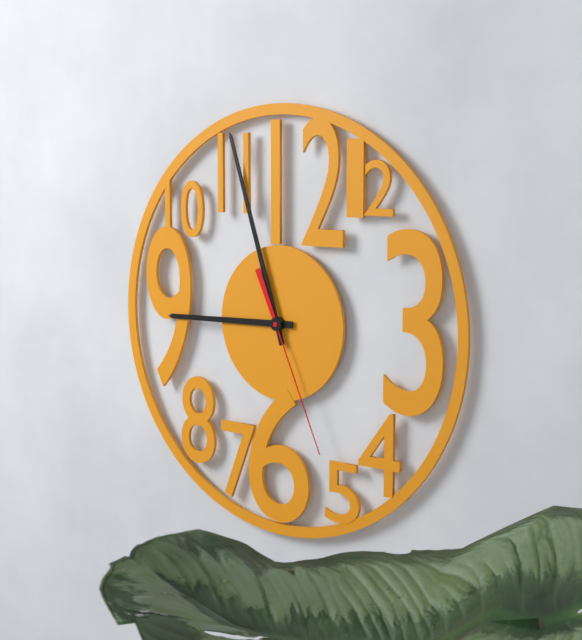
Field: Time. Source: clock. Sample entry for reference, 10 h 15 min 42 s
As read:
8 h 57 min 26 s
